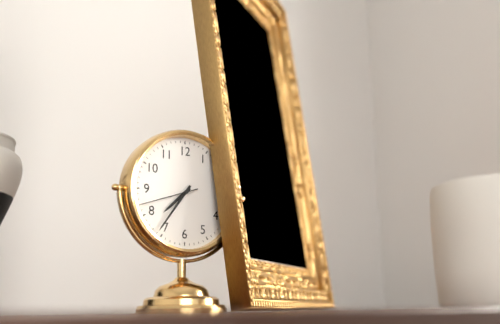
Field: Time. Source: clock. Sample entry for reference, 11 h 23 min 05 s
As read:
7 h 36 min 42 s
